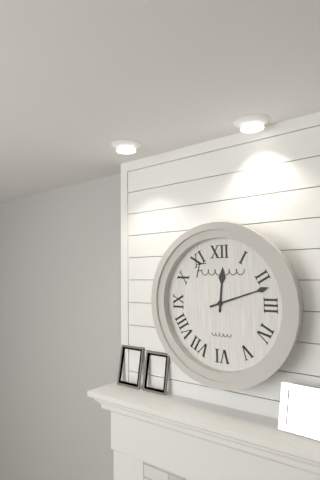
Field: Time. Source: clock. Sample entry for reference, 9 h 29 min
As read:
12 h 12 min
